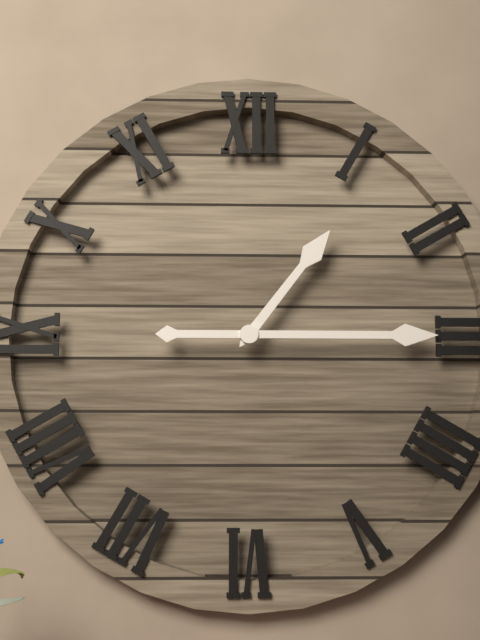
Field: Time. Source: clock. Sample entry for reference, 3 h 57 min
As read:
1 h 15 min
